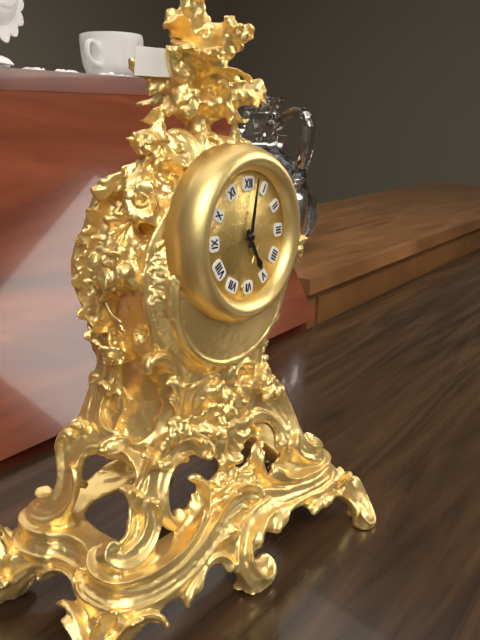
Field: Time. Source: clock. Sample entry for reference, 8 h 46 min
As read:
5 h 02 min
